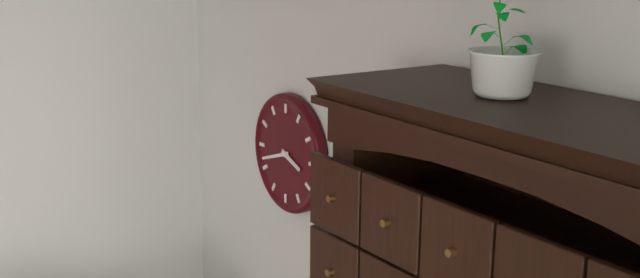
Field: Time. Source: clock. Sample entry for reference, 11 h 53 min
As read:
3 h 42 min
